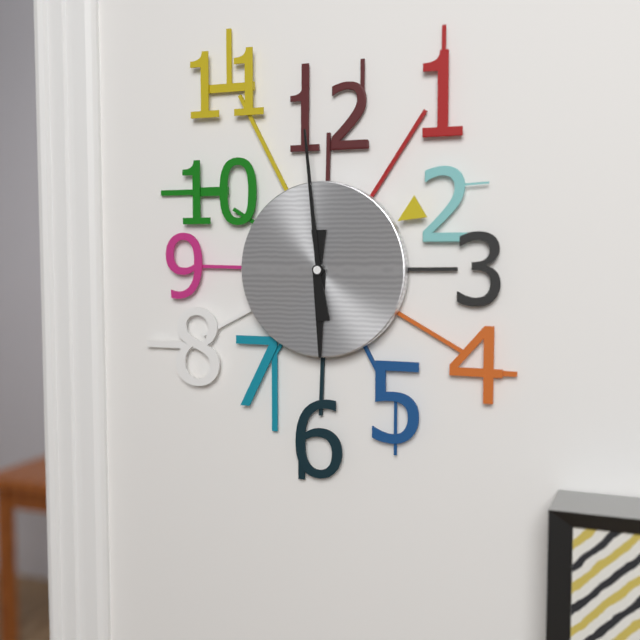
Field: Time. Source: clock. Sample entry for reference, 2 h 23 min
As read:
5 h 59 min
